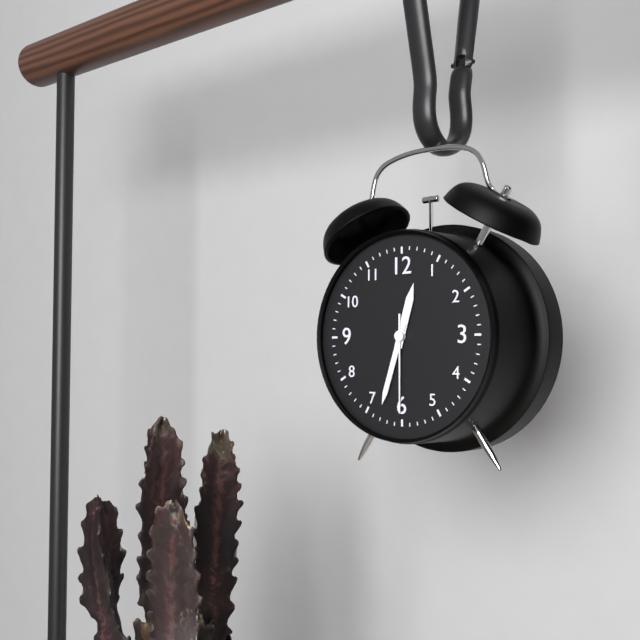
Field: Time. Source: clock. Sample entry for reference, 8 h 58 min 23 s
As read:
12 h 33 min 30 s
